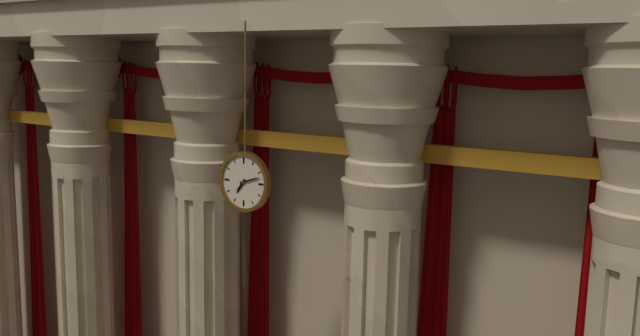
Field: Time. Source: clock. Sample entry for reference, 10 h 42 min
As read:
7 h 12 min
